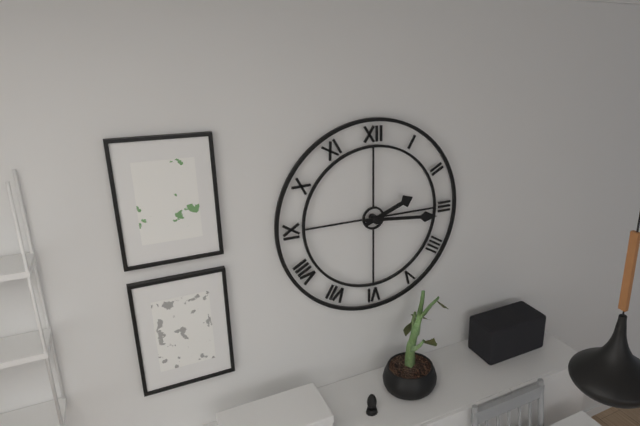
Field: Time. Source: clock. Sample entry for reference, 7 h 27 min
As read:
2 h 16 min
